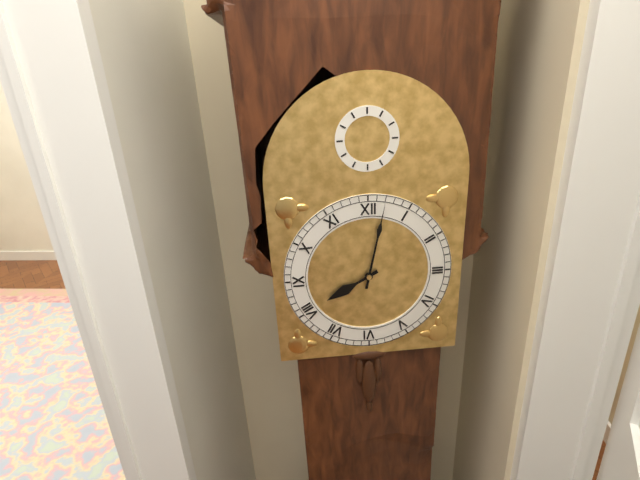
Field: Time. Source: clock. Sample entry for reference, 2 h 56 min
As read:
8 h 02 min
